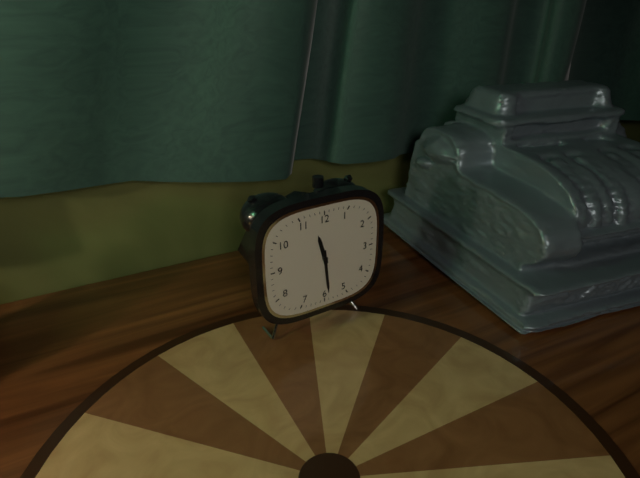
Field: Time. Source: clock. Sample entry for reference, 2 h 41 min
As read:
11 h 29 min
